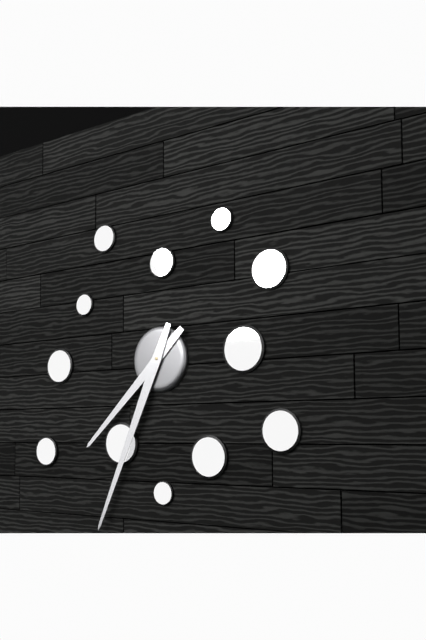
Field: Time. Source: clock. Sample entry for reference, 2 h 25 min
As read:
7 h 34 min
